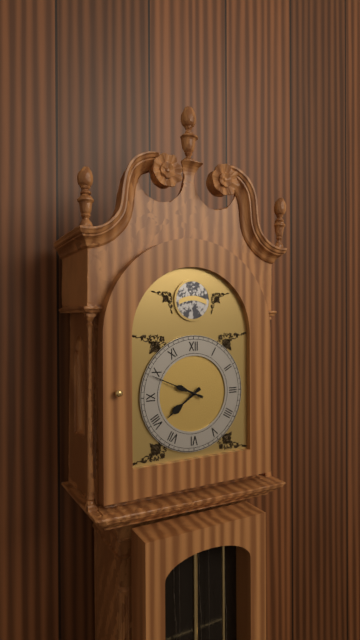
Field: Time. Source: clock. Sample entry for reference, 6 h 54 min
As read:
7 h 49 min
